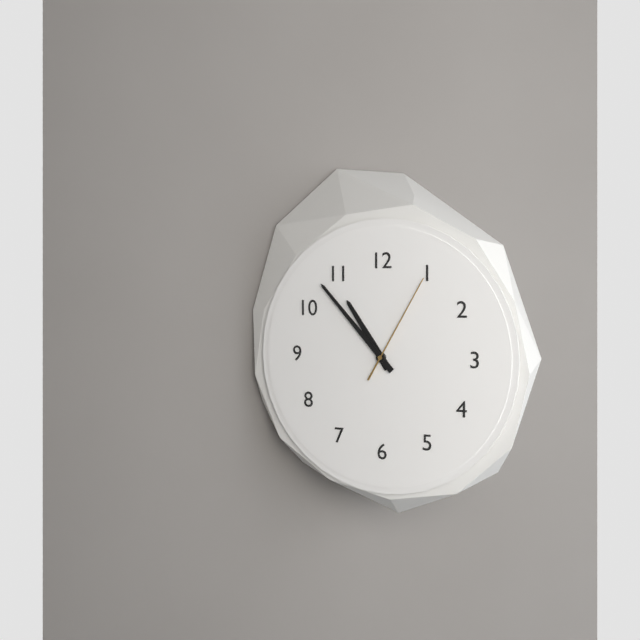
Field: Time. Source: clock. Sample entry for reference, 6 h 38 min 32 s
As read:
10 h 53 min 05 s
